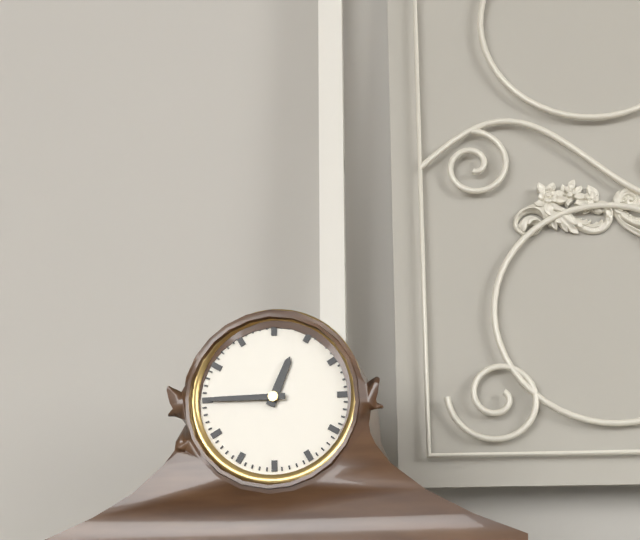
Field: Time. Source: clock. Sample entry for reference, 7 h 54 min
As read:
12 h 45 min
